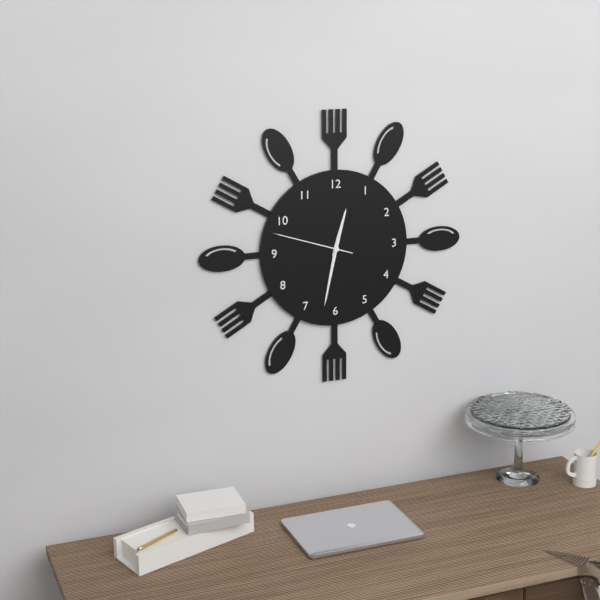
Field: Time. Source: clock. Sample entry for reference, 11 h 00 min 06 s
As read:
12 h 32 min 48 s
